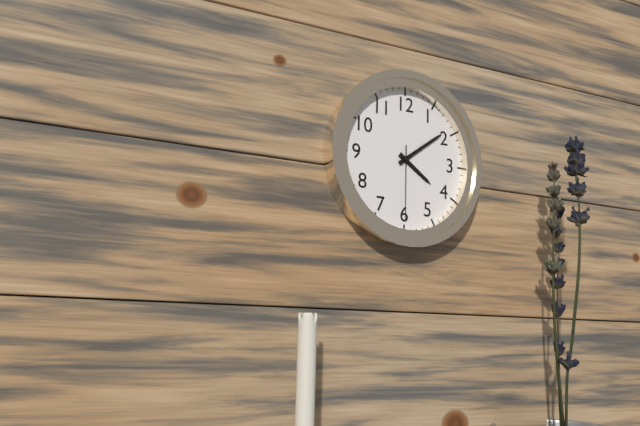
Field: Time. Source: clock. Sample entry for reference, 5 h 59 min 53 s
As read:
4 h 09 min 30 s
